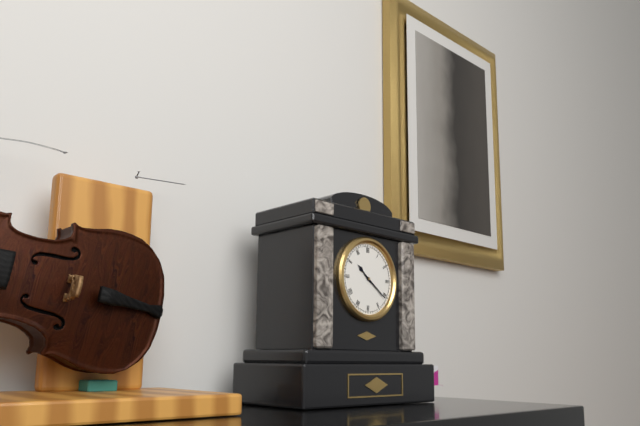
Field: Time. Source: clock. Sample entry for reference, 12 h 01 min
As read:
10 h 21 min
